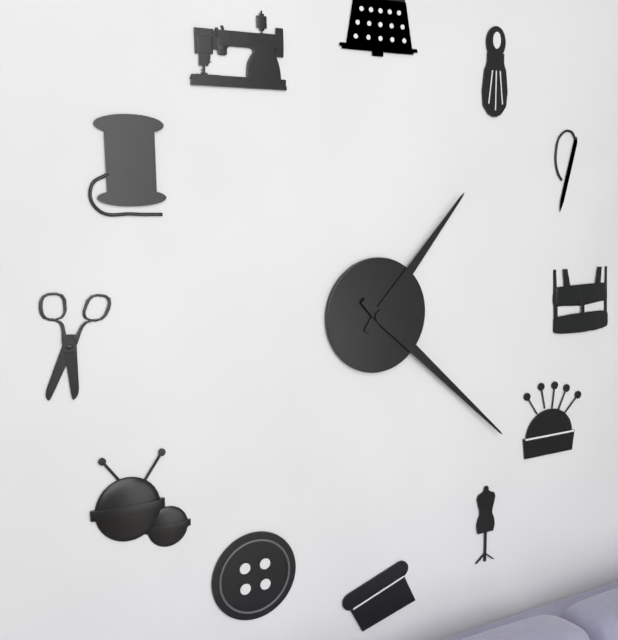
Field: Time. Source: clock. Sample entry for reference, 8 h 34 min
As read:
1 h 22 min
